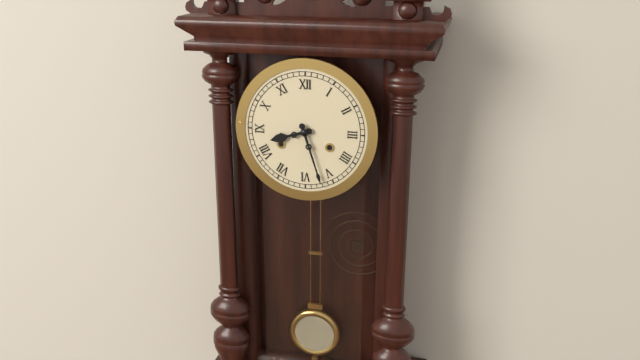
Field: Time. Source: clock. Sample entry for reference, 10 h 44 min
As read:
8 h 27 min
